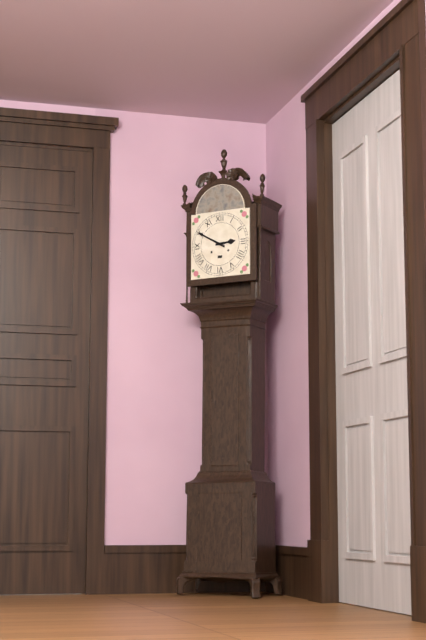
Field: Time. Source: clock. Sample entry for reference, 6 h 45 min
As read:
2 h 50 min
